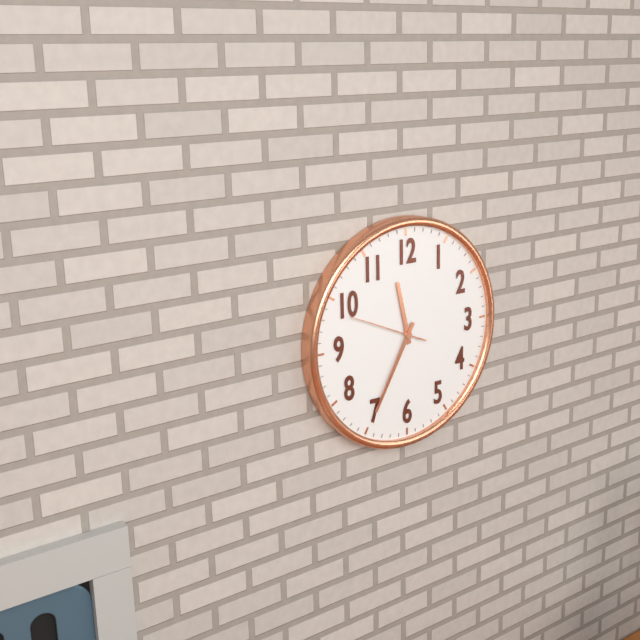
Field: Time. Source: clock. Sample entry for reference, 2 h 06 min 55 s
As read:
11 h 35 min 49 s
